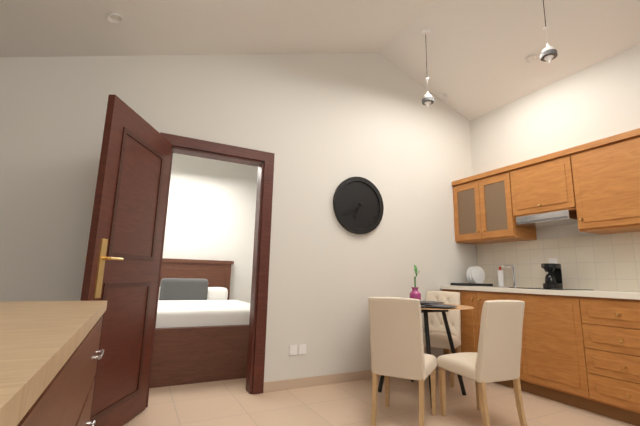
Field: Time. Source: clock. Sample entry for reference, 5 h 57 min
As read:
6 h 40 min
